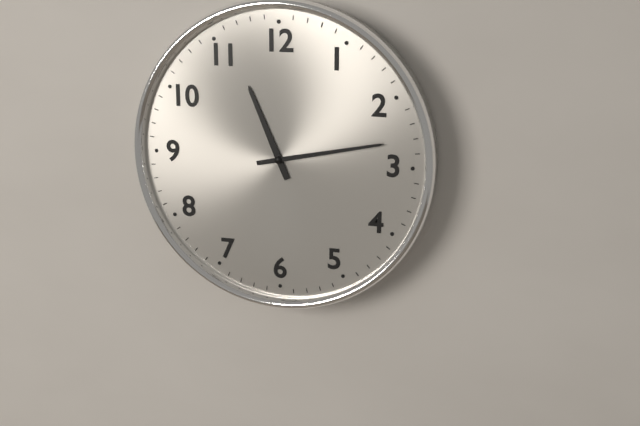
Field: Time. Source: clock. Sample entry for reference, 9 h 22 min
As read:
11 h 13 min
